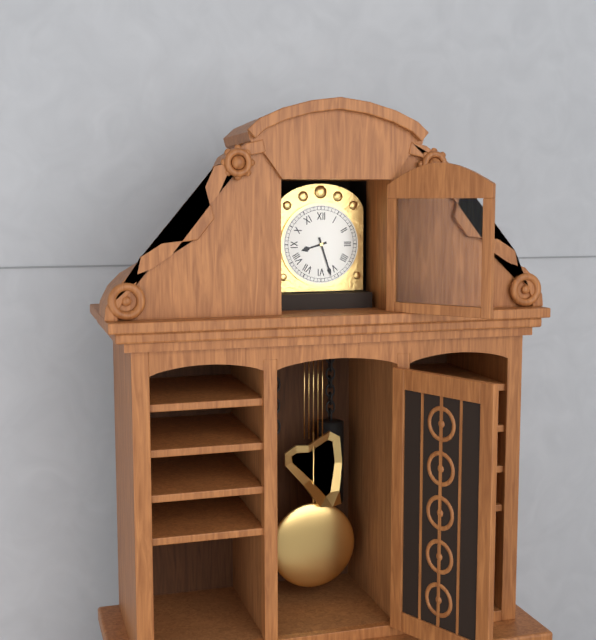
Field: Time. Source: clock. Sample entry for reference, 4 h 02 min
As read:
8 h 27 min
